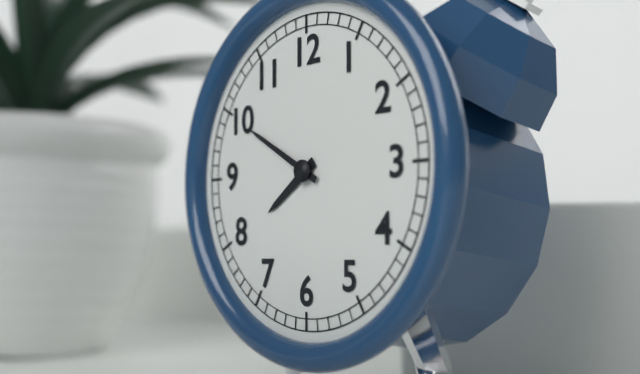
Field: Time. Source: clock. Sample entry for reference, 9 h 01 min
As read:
7 h 50 min
